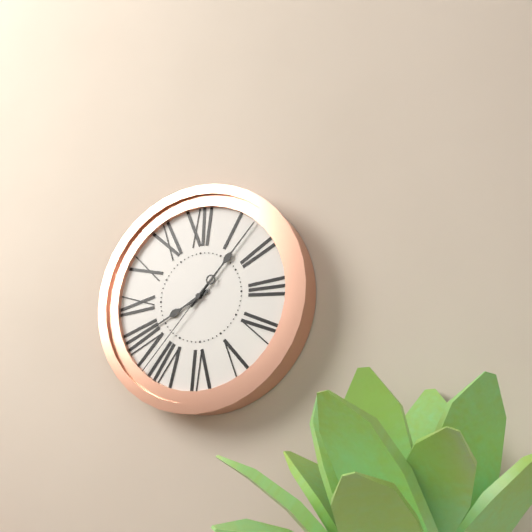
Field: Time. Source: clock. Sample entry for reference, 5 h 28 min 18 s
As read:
8 h 07 min 37 s
